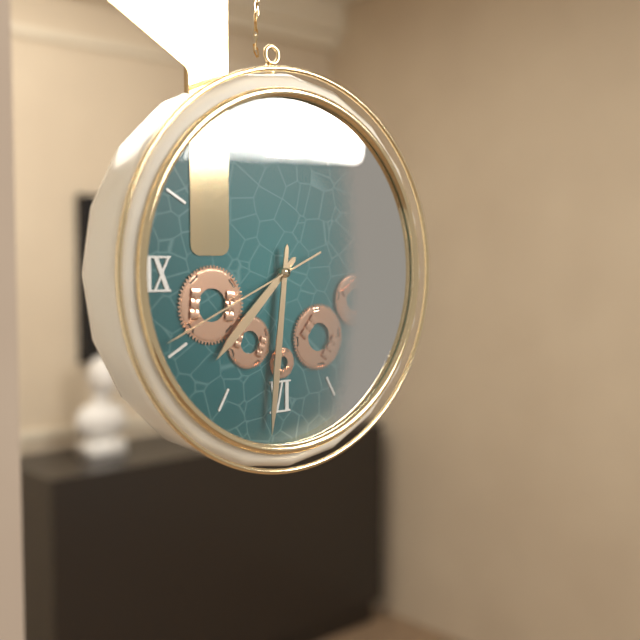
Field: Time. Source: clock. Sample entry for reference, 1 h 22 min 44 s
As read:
7 h 31 min 41 s
